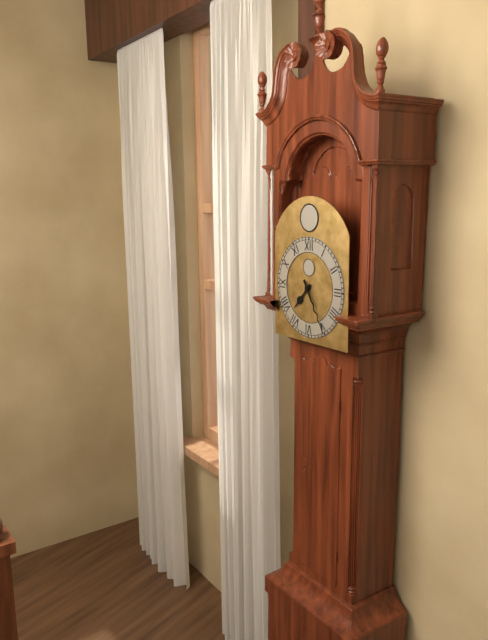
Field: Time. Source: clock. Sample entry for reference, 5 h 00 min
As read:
7 h 25 min
